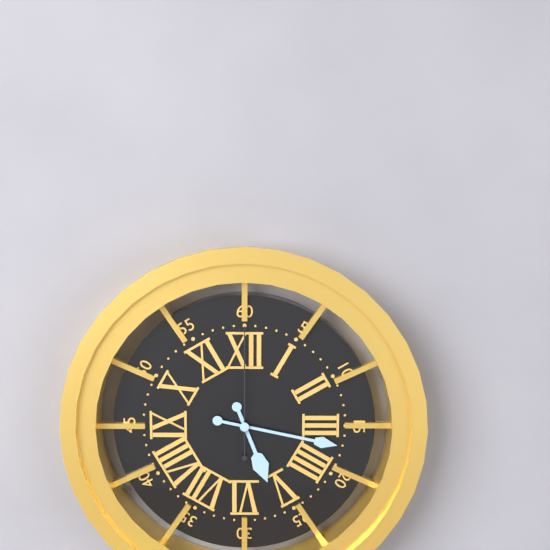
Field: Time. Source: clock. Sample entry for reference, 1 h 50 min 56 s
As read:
5 h 17 min 00 s
